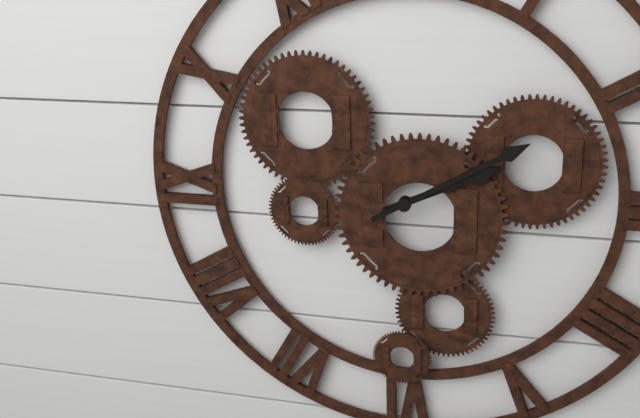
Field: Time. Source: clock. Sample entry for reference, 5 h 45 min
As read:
2 h 10 min
